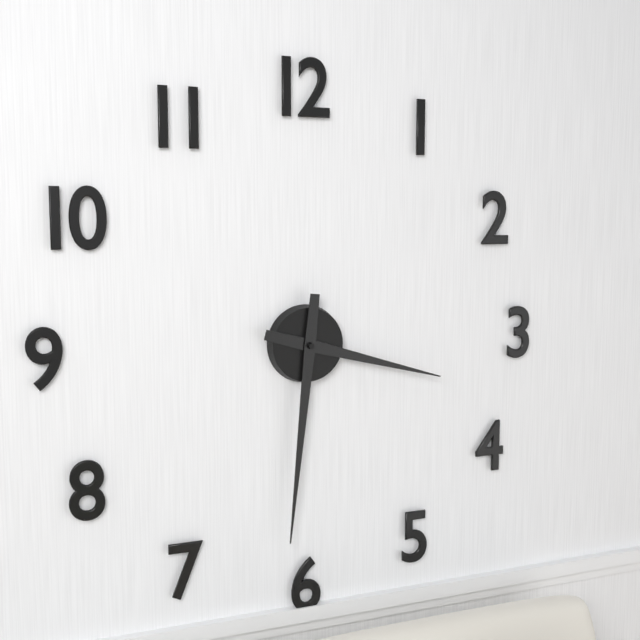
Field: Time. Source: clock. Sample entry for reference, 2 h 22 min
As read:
3 h 31 min
